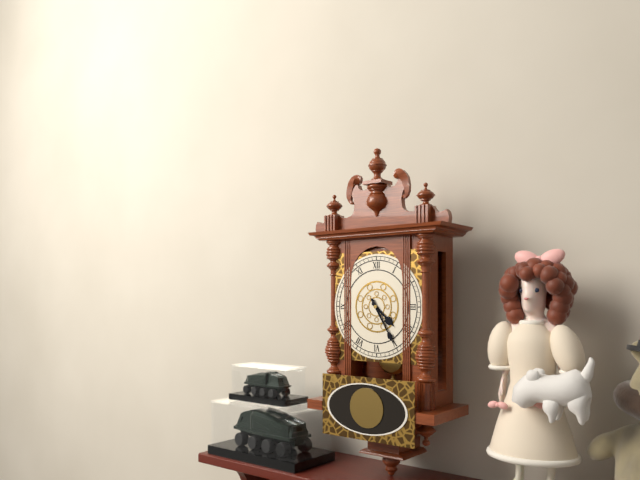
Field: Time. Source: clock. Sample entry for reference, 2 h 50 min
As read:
4 h 25 min
